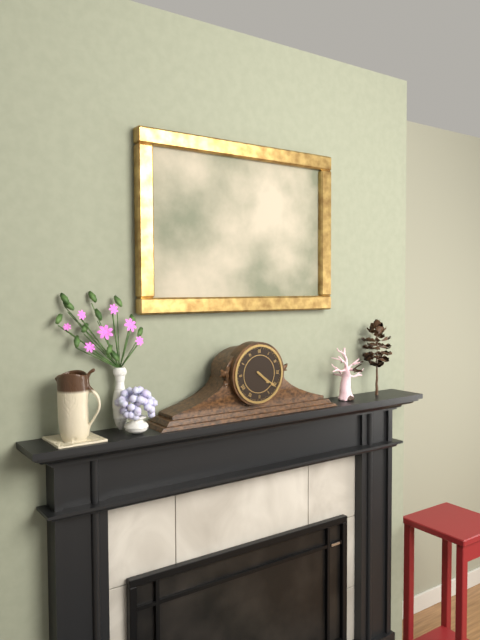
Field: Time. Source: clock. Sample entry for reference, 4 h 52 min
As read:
4 h 21 min
